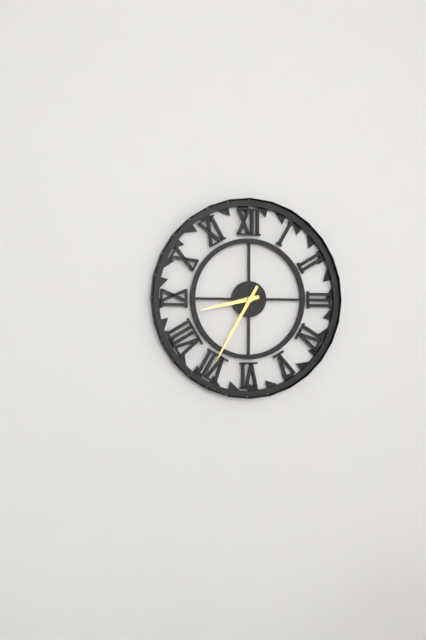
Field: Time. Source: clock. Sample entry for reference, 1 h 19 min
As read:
8 h 35 min
